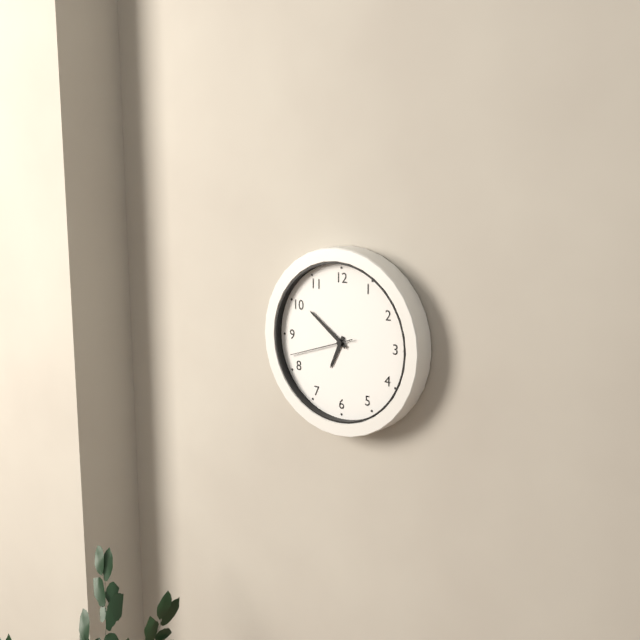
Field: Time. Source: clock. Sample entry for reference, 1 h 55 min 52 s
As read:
6 h 51 min 42 s
